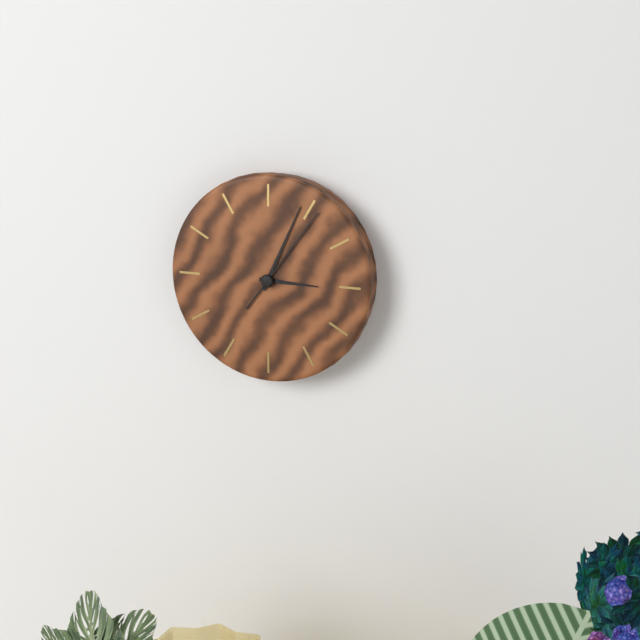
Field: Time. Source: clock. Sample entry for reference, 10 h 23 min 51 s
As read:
3 h 04 min 06 s
